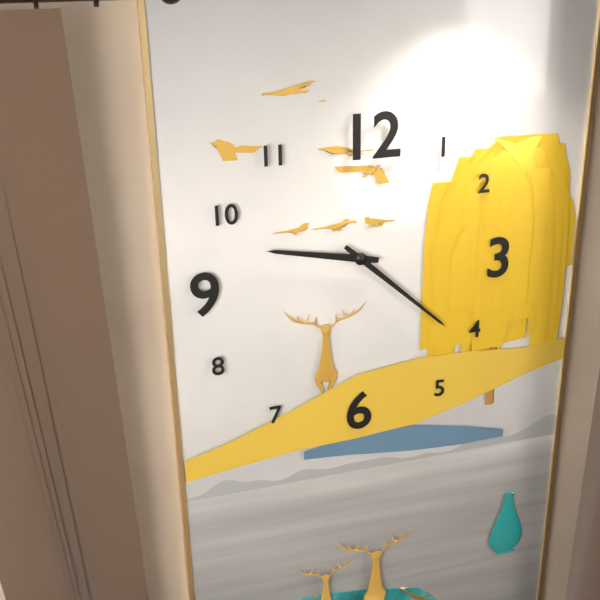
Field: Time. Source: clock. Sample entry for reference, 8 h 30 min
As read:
9 h 22 min
